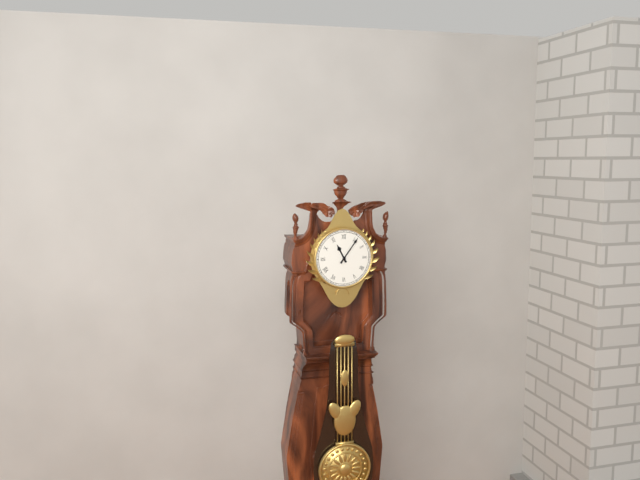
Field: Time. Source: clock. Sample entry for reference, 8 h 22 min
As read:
11 h 06 min
